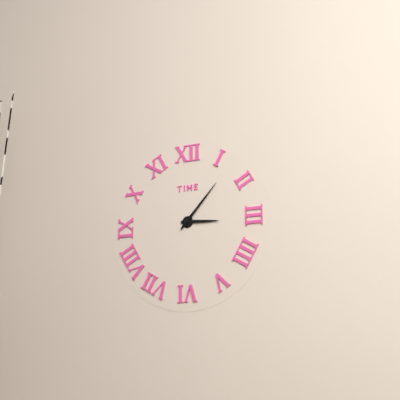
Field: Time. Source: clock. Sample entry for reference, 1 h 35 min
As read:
3 h 07 min
